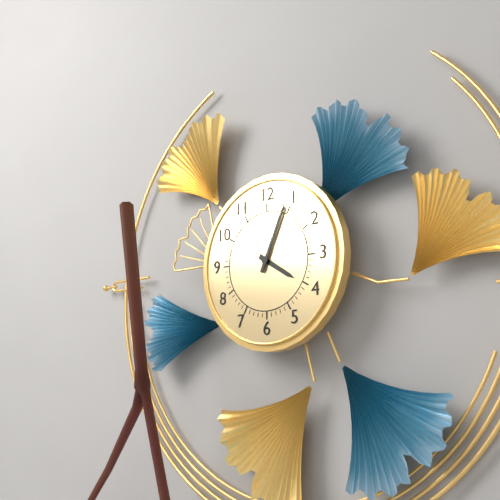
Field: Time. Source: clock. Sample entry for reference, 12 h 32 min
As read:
4 h 04 min
